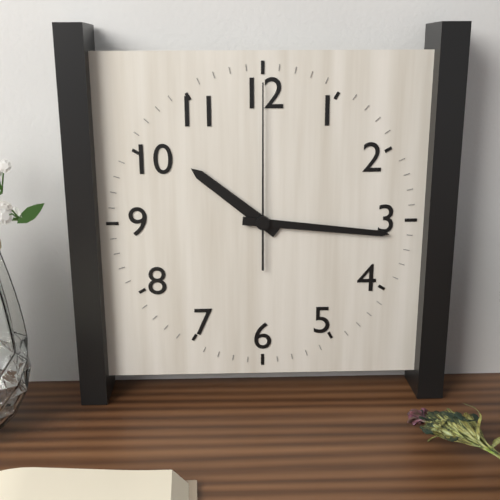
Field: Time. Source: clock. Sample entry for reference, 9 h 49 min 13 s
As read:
10 h 16 min 00 s
